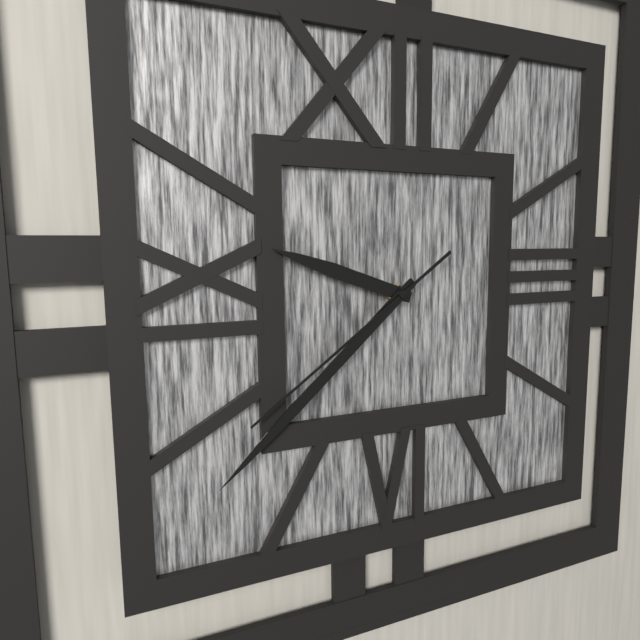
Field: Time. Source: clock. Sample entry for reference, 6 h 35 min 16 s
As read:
9 h 38 min 39 s
